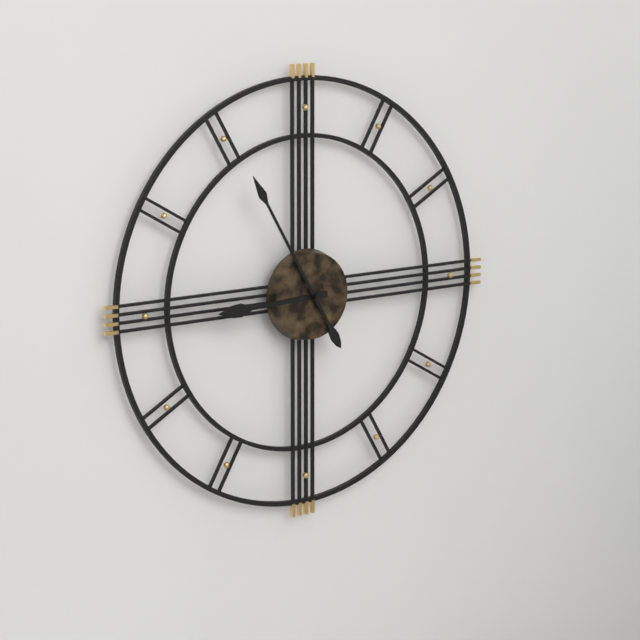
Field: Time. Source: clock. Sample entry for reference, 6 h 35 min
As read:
8 h 55 min
